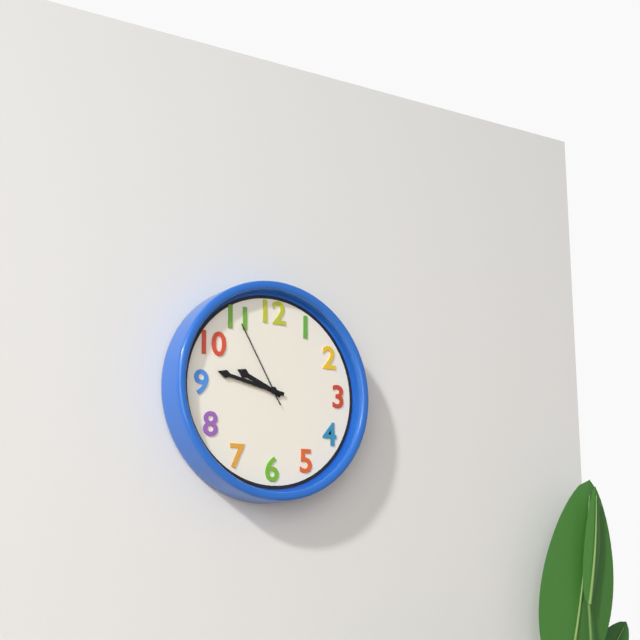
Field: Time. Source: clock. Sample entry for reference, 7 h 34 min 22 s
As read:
9 h 47 min 55 s
